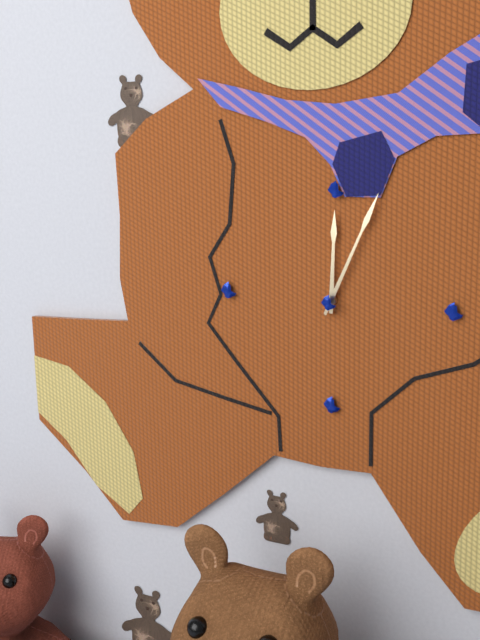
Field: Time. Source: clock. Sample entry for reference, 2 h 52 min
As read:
12 h 04 min
